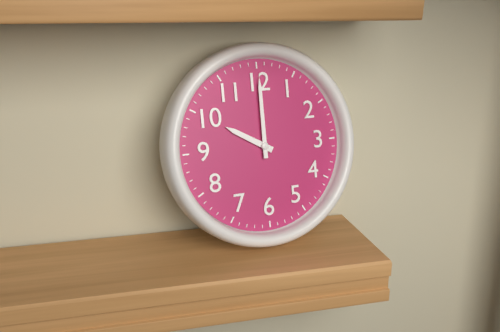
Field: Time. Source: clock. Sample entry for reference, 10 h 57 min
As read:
10 h 00 min
